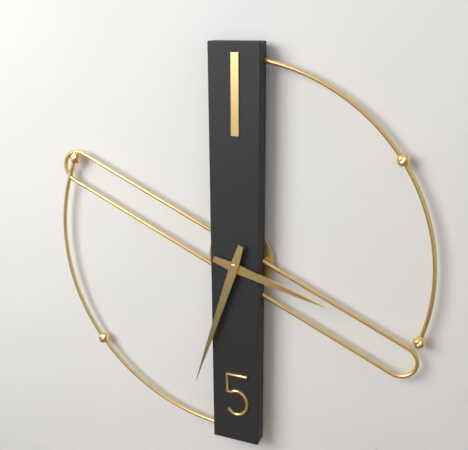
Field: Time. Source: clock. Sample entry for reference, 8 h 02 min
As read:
3 h 33 min
